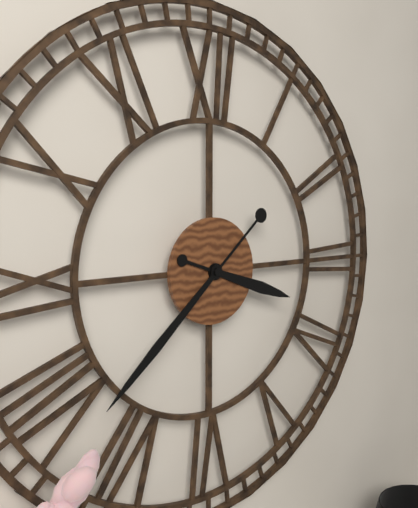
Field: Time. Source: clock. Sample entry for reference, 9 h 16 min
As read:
3 h 38 min
